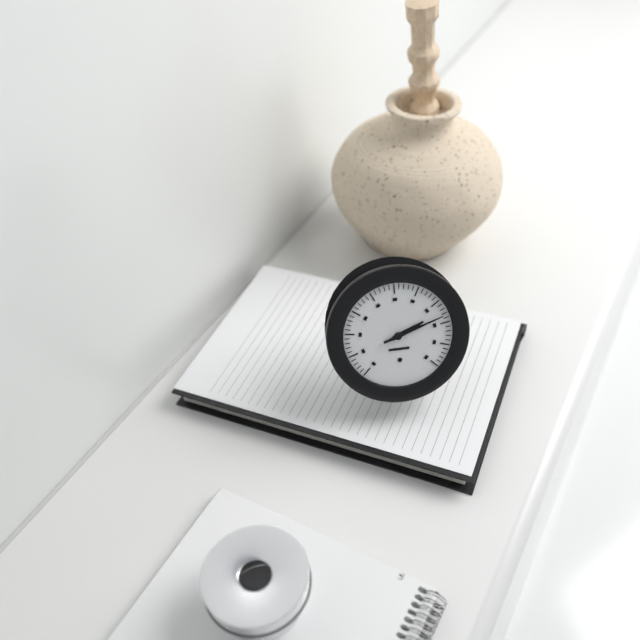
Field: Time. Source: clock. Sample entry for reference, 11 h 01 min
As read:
2 h 12 min
